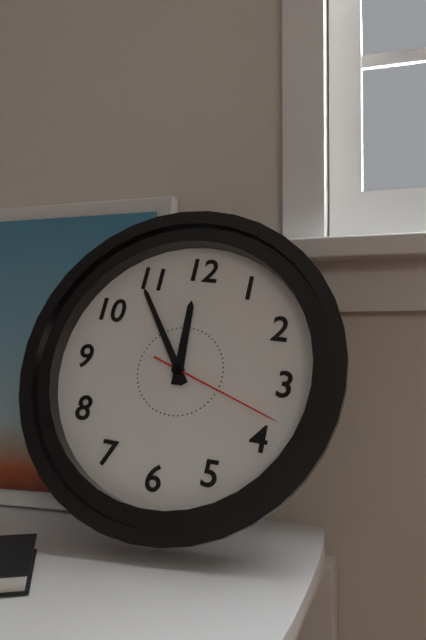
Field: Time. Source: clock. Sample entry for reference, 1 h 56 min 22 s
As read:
11 h 54 min 18 s
